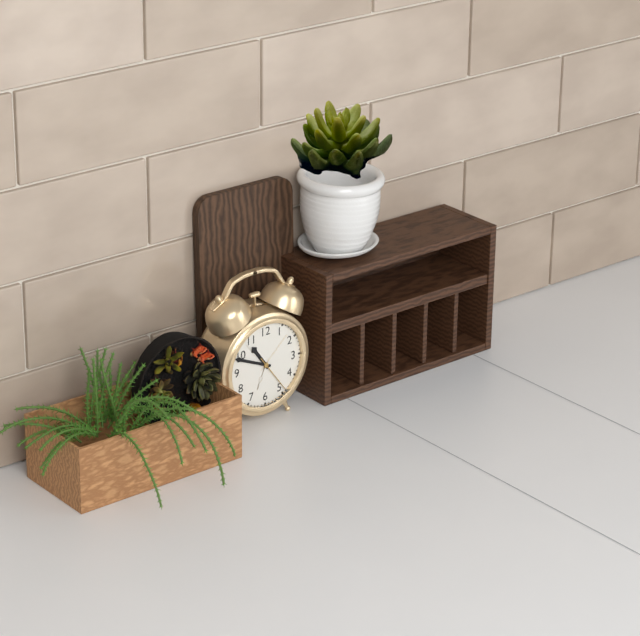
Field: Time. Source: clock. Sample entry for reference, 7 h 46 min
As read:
10 h 49 min
